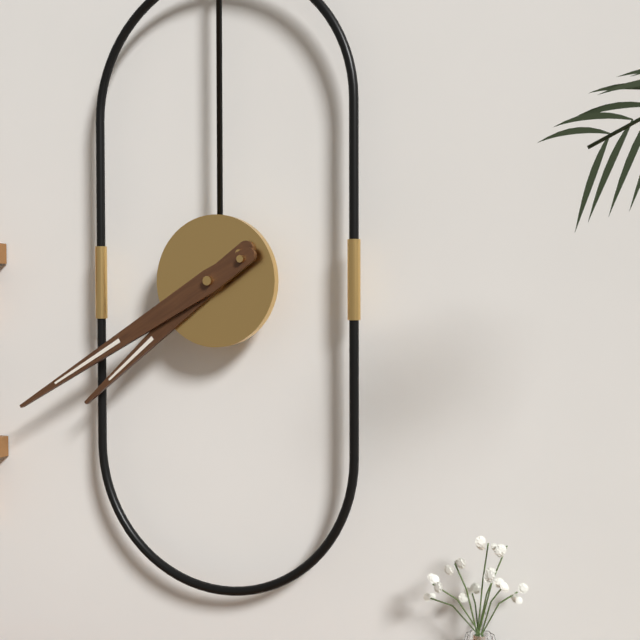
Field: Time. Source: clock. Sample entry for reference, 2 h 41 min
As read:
7 h 40 min
